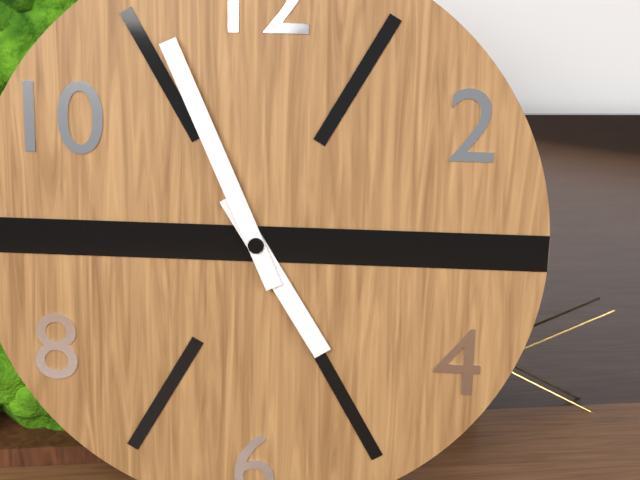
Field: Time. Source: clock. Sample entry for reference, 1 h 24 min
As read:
4 h 56 min
